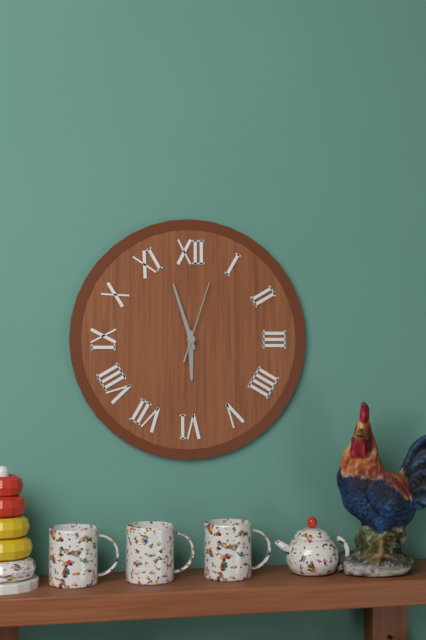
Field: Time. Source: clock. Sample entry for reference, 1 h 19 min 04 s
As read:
5 h 57 min 03 s
